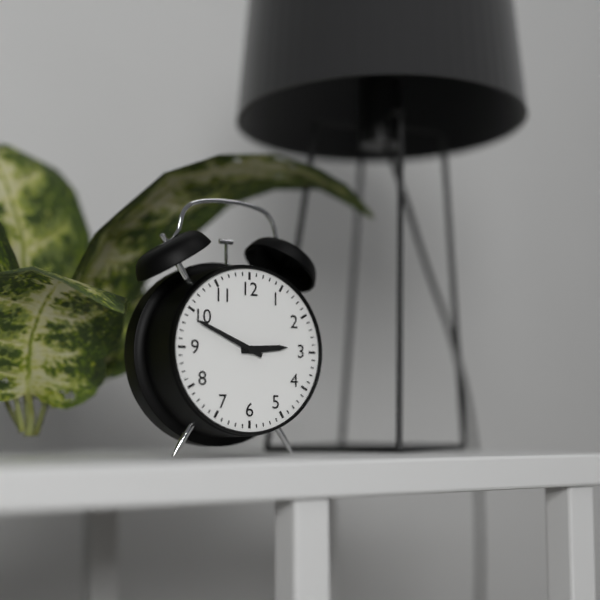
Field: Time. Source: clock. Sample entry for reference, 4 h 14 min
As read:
2 h 49 min
